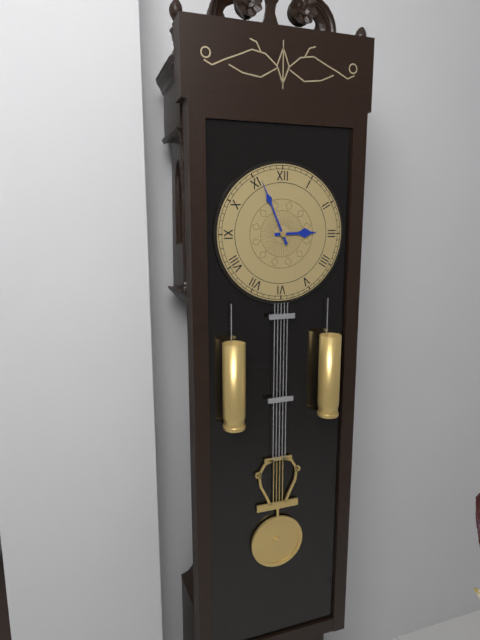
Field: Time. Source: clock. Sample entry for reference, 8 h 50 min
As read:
2 h 56 min
